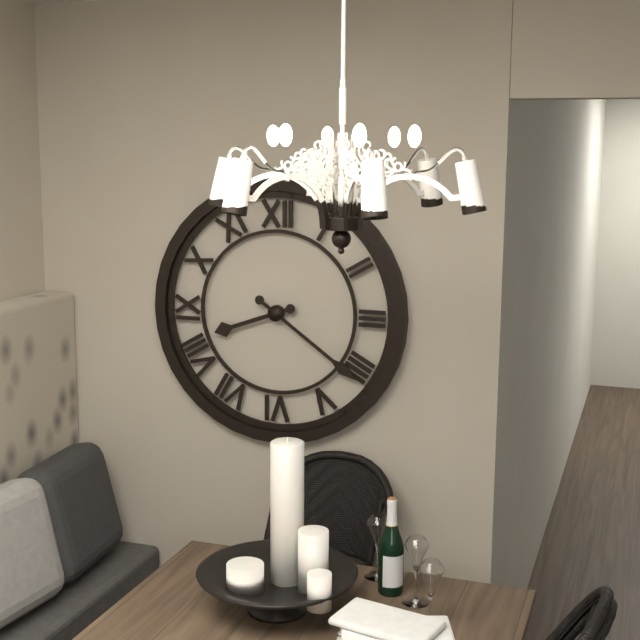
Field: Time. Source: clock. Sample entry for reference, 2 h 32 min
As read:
8 h 21 min
